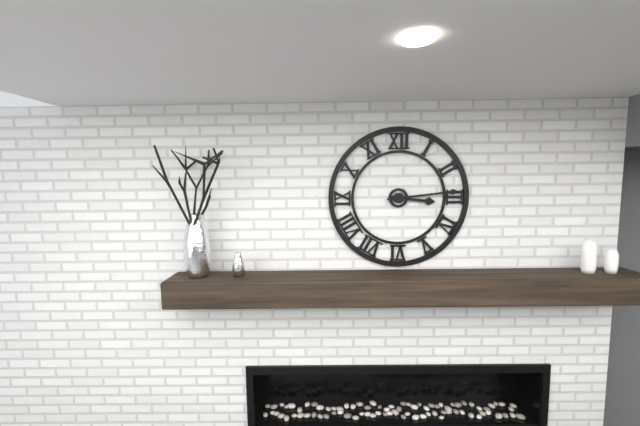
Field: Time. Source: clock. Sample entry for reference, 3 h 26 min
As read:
3 h 14 min
